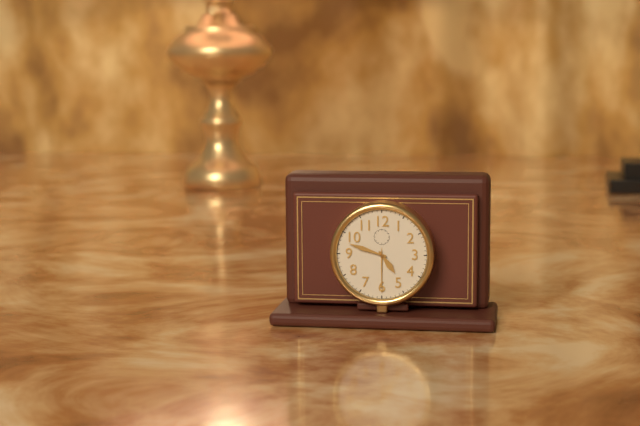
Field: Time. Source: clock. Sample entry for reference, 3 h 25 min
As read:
4 h 48 min
